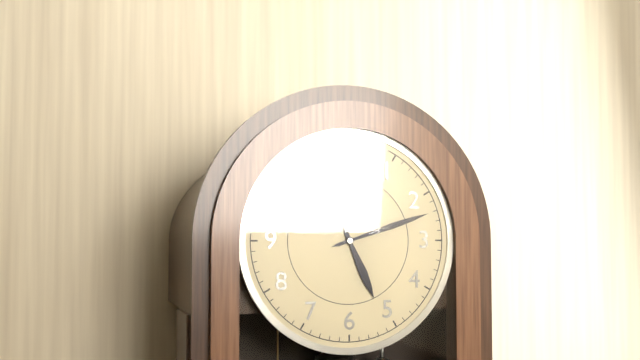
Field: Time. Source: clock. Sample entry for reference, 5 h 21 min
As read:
5 h 12 min
